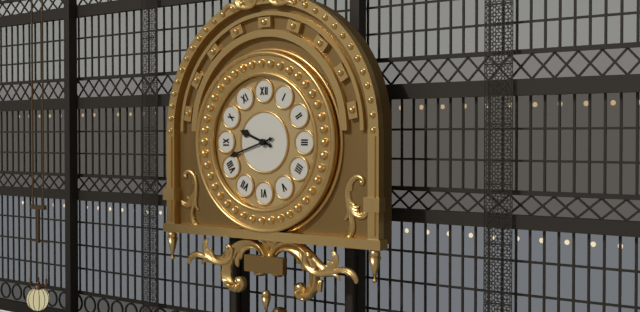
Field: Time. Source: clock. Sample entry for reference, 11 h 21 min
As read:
9 h 42 min
